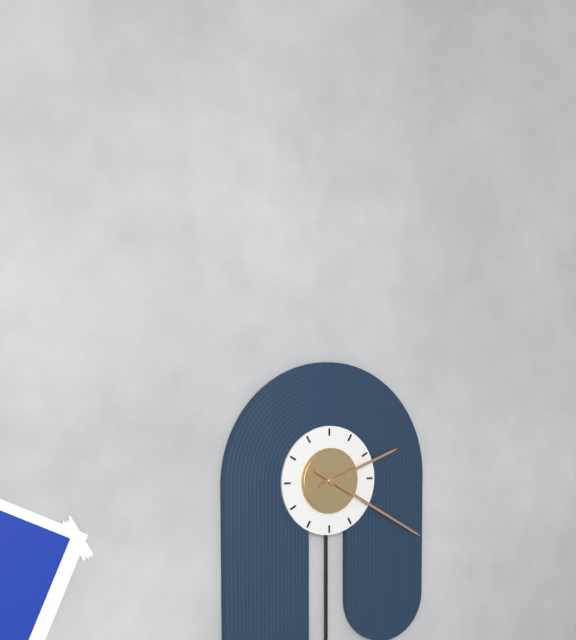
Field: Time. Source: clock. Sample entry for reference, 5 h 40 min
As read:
2 h 20 min
